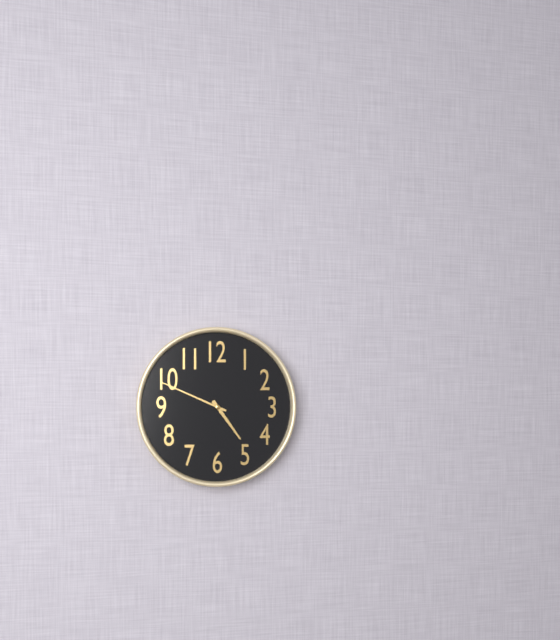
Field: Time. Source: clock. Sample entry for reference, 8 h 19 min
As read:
4 h 49 min
